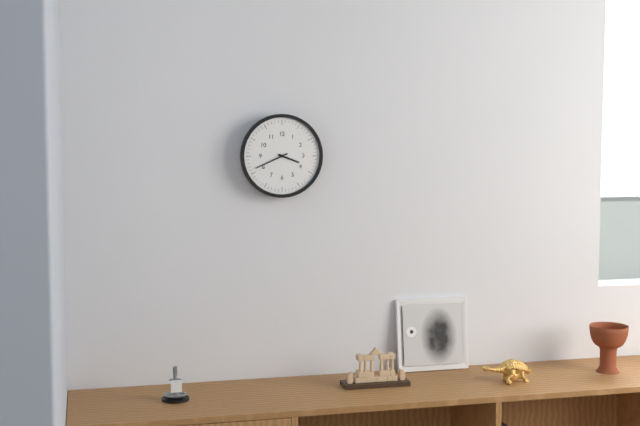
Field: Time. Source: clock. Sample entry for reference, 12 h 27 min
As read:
3 h 41 min
